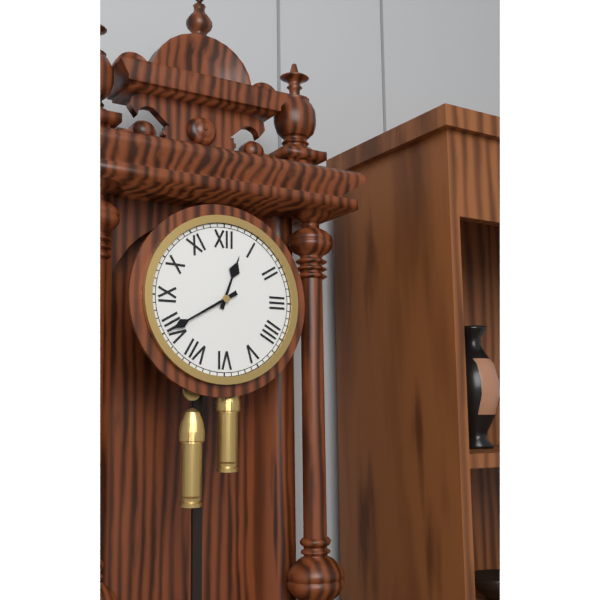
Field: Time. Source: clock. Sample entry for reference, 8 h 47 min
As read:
12 h 40 min
